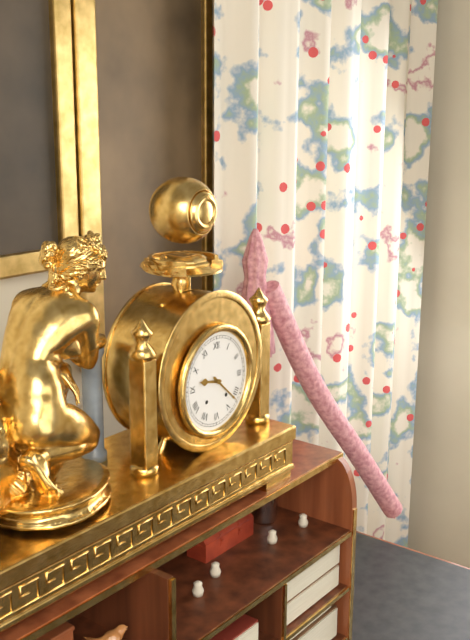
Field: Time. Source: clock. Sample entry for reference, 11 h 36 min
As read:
9 h 22 min
